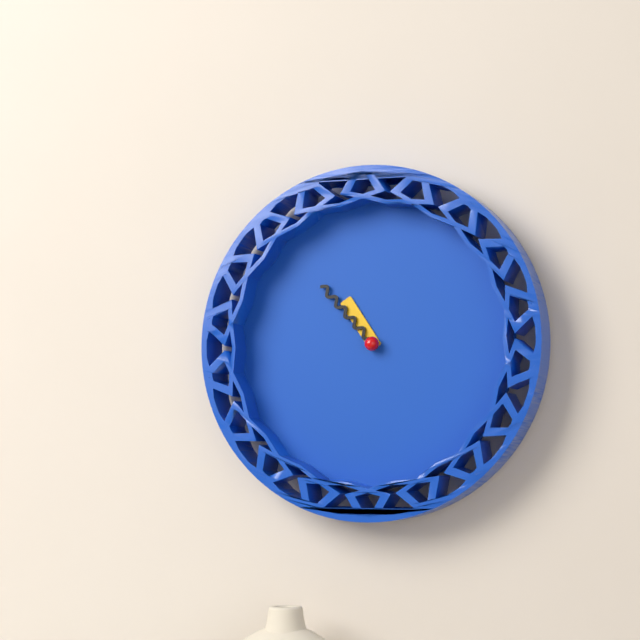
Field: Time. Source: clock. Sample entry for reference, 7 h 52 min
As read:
10 h 53 min
